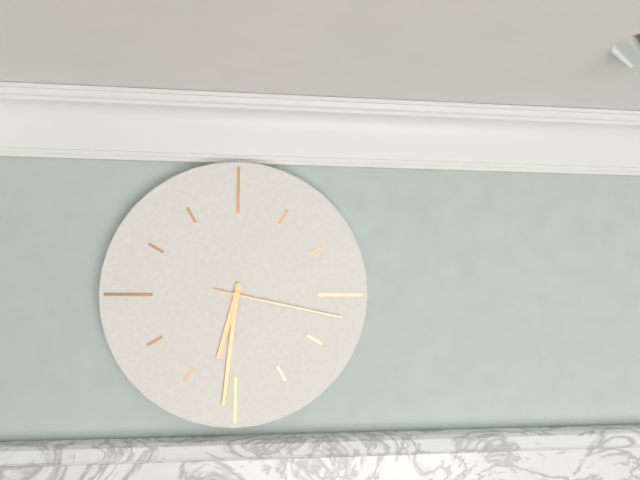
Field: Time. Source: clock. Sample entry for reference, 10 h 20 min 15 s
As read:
6 h 31 min 17 s
